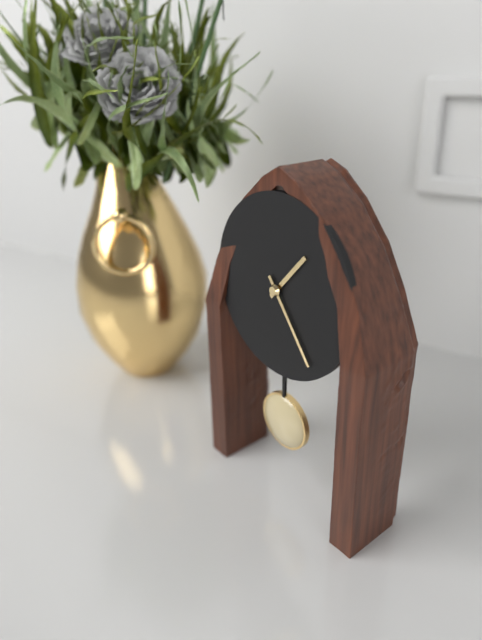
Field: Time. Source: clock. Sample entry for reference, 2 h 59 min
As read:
1 h 24 min
